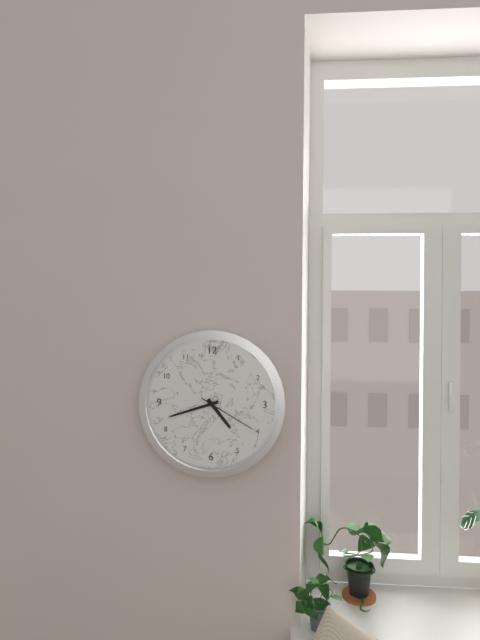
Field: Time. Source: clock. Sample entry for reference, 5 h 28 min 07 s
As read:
4 h 42 min 20 s
